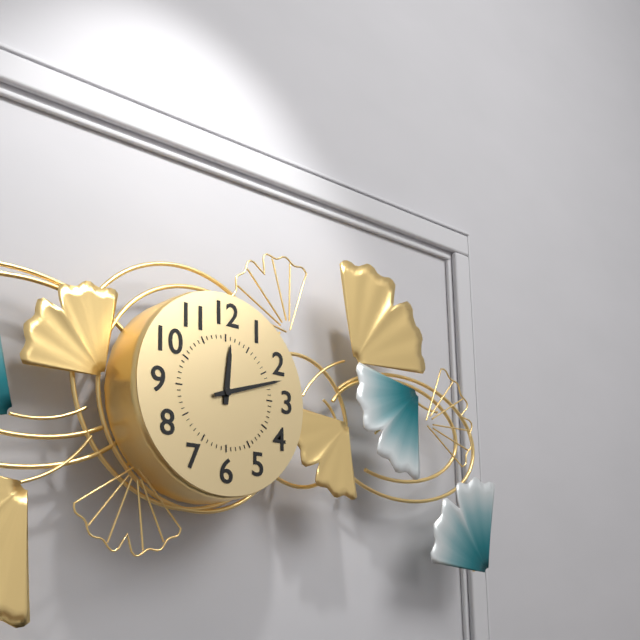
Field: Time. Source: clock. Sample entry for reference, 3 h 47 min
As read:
12 h 12 min
